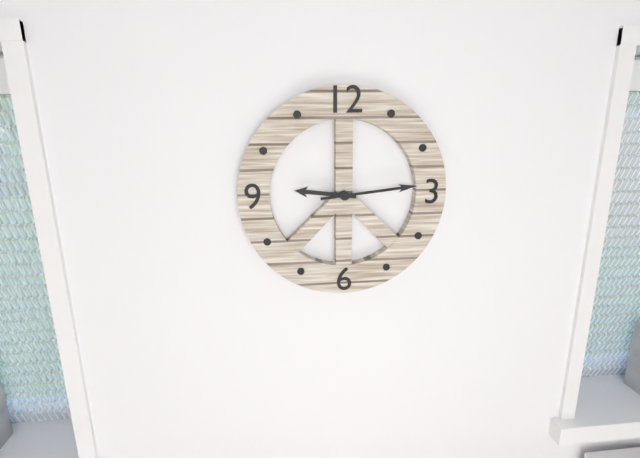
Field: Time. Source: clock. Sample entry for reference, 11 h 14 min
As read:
9 h 14 min
